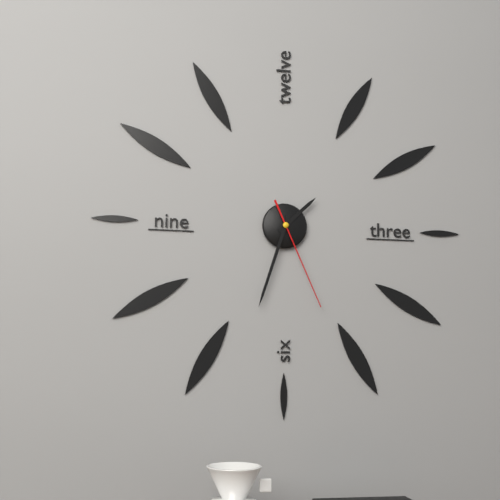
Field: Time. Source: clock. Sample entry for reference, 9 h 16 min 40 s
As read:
1 h 33 min 26 s
